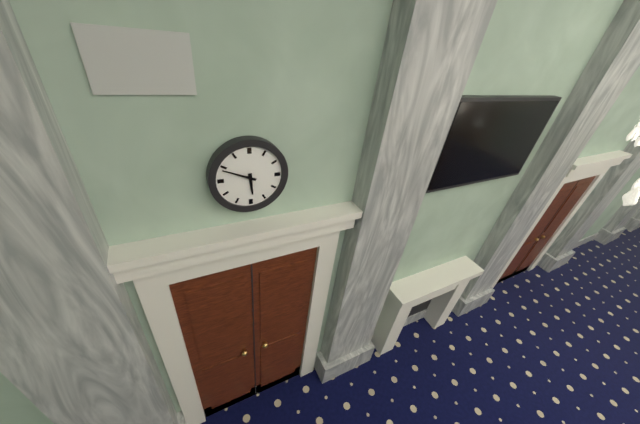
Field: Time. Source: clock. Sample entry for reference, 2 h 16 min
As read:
5 h 49 min
